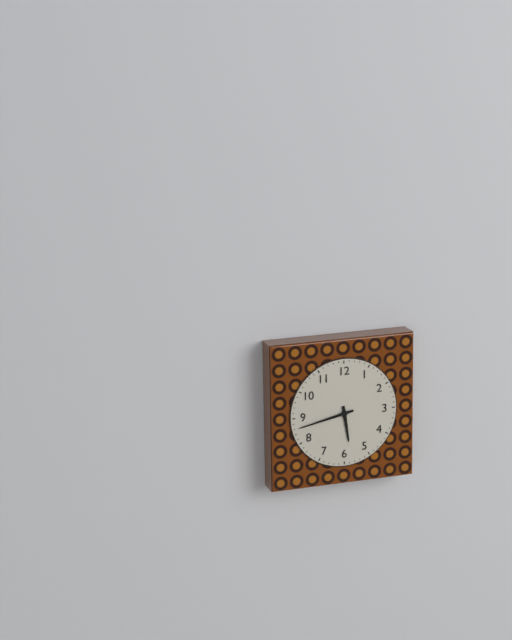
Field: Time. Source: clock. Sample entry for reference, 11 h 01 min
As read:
5 h 43 min
